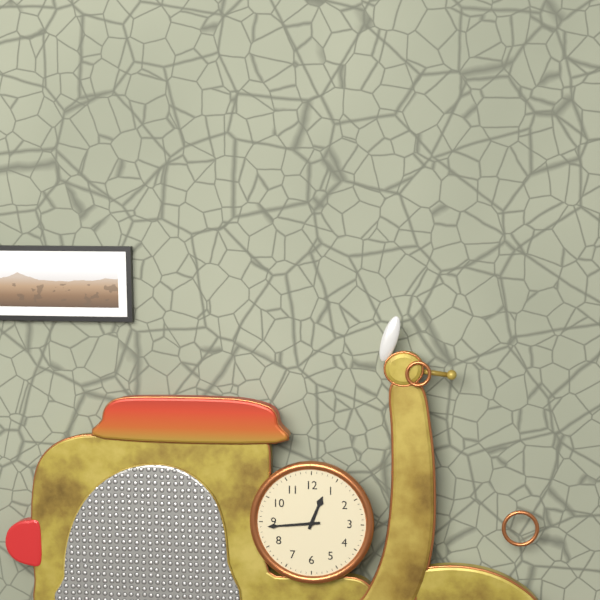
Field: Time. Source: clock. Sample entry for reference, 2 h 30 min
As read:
12 h 44 min
